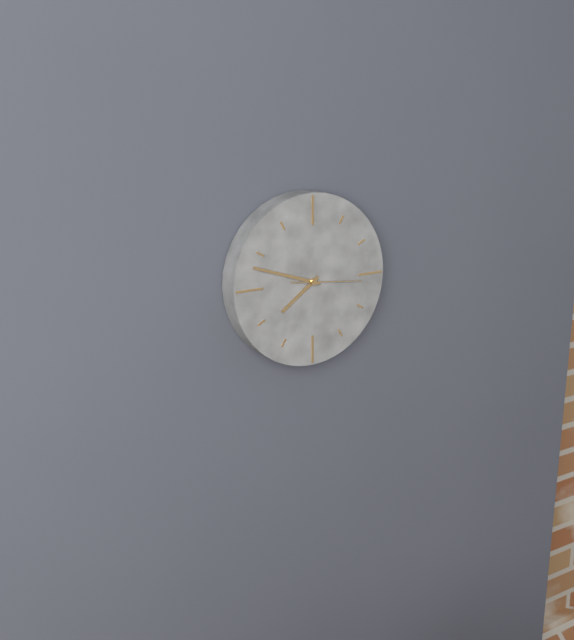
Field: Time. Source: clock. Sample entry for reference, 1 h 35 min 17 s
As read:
7 h 48 min 16 s
